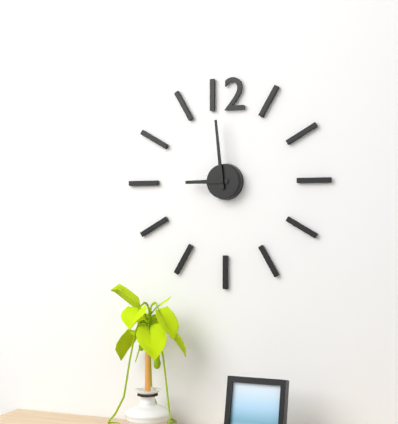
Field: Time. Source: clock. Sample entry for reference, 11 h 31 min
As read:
8 h 59 min
